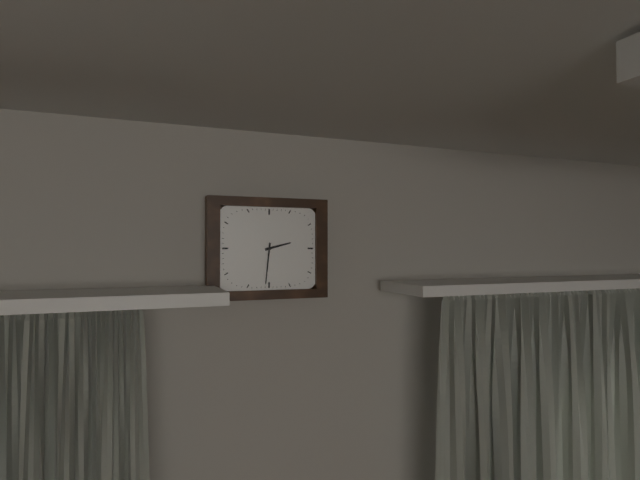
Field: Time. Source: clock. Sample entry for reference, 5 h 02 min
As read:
2 h 31 min
